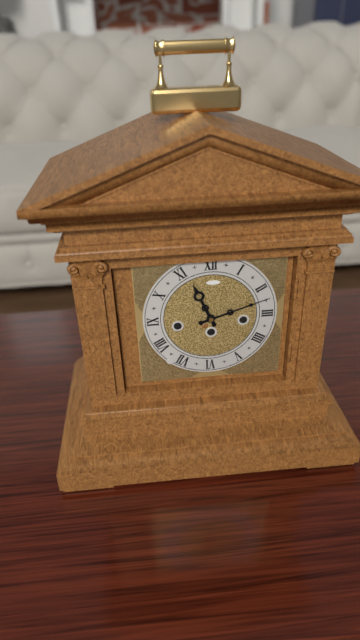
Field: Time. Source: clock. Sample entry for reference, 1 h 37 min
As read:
11 h 12 min
